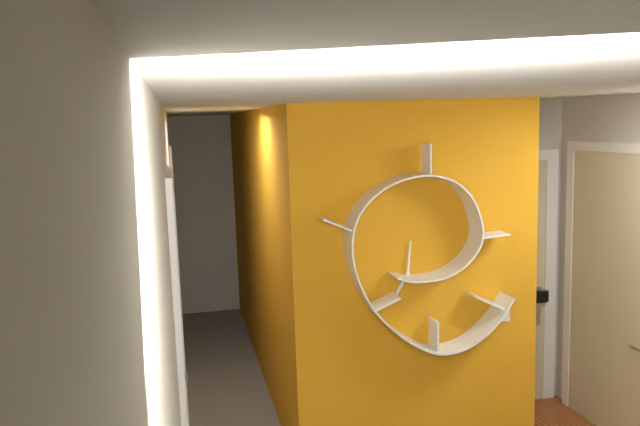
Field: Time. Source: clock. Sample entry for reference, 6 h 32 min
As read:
7 h 01 min
